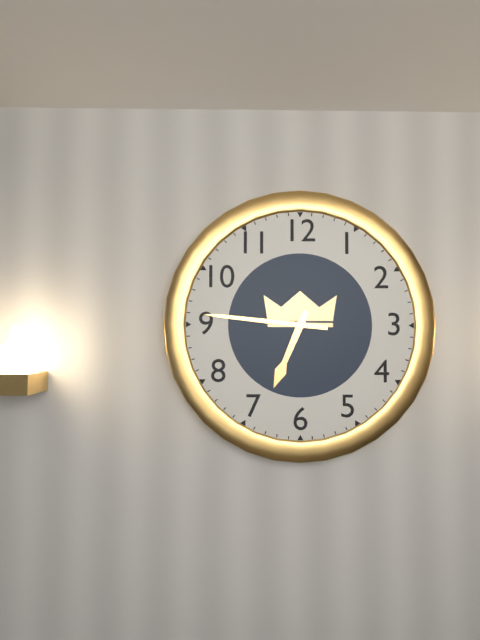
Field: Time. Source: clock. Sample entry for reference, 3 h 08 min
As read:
6 h 46 min
